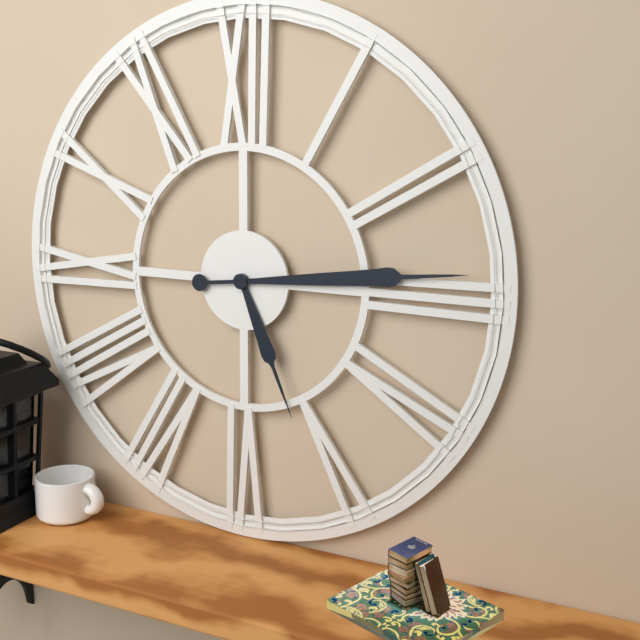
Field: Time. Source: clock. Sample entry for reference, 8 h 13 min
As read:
5 h 14 min
